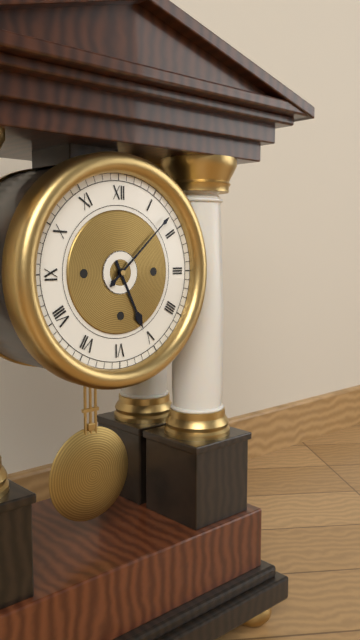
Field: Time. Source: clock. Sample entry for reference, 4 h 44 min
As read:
5 h 08 min
